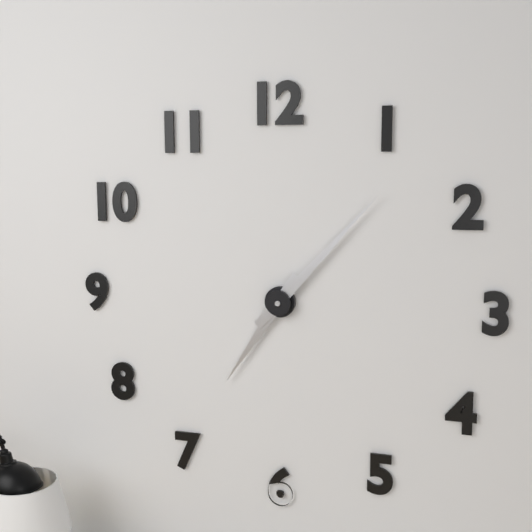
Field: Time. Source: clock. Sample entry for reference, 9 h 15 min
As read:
7 h 07 min
